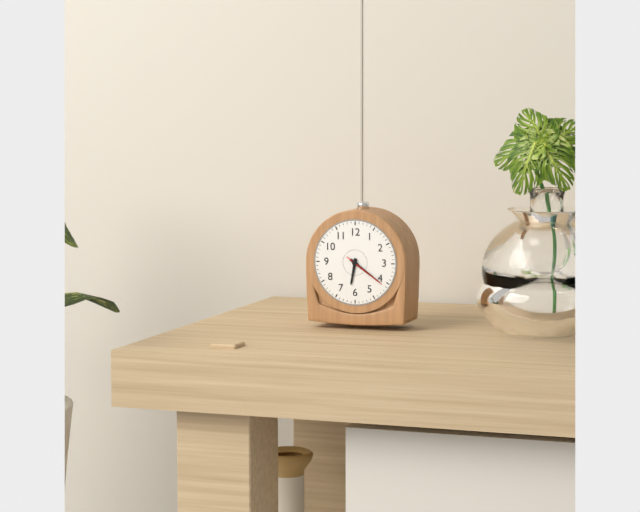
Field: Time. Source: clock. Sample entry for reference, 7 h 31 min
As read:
6 h 21 min
